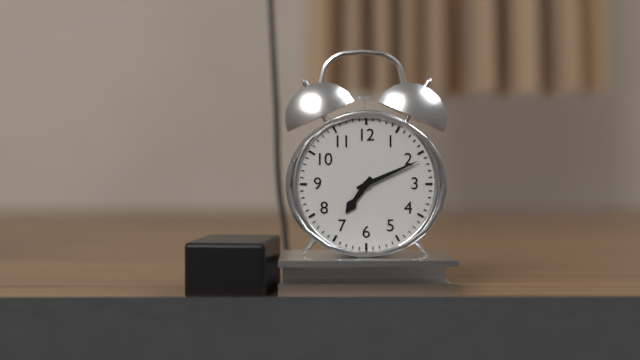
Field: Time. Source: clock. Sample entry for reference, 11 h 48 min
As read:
7 h 11 min
